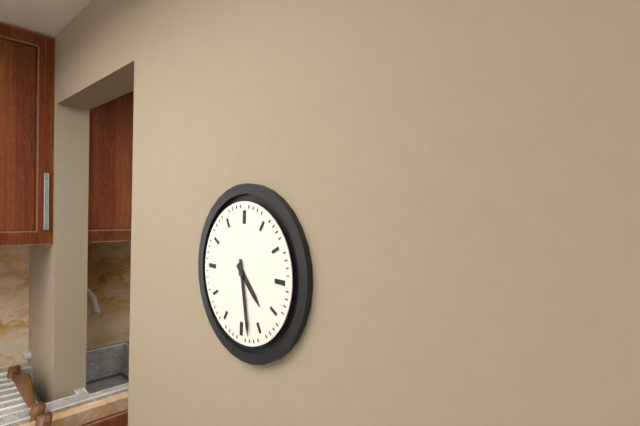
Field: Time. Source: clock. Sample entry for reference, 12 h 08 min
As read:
4 h 28 min
